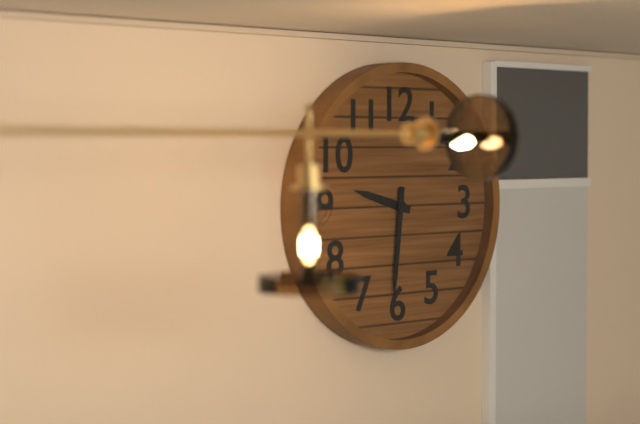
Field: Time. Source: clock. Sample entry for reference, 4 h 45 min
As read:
9 h 31 min
